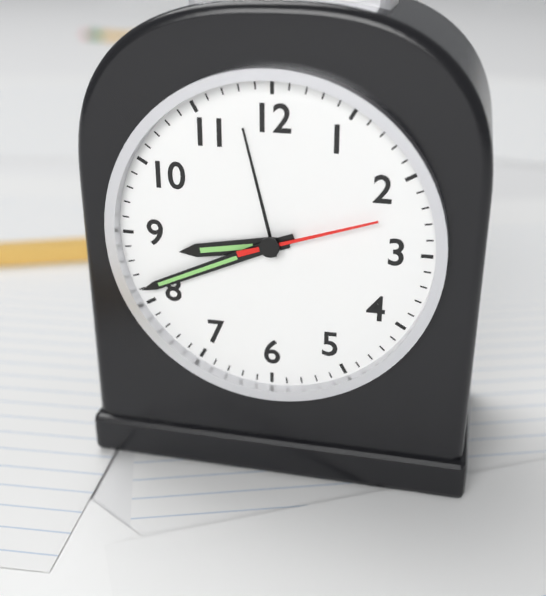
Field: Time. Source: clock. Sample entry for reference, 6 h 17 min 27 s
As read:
8 h 41 min 12 s
